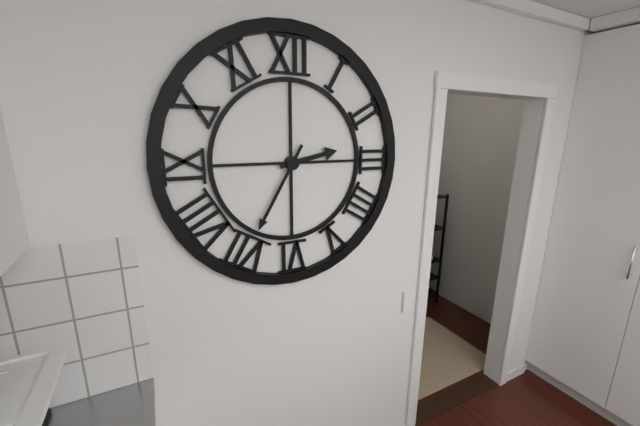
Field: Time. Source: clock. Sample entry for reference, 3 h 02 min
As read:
2 h 35 min
